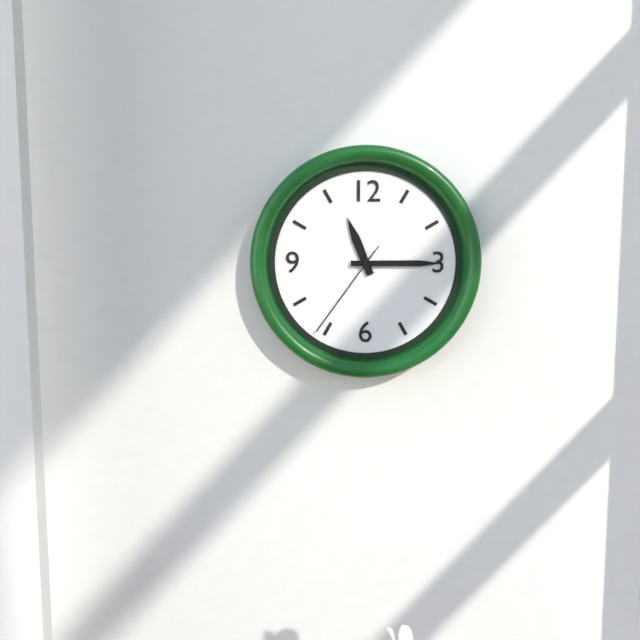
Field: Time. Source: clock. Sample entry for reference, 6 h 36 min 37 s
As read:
11 h 15 min 36 s
